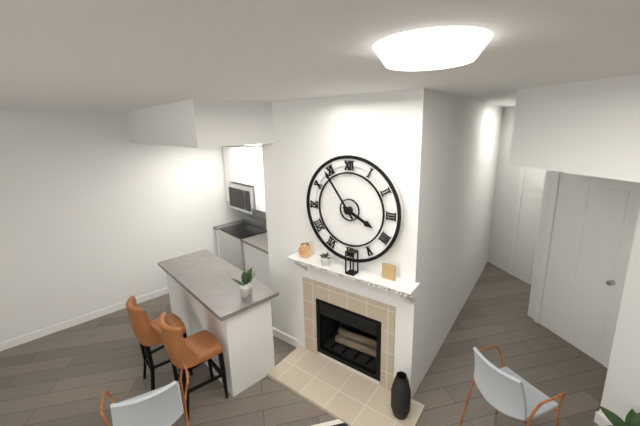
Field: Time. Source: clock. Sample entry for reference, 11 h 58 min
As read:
3 h 54 min
